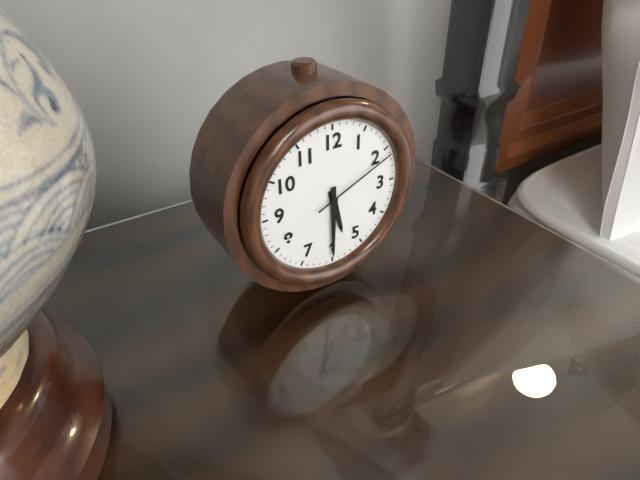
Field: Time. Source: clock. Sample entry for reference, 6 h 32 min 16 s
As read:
5 h 30 min 11 s
